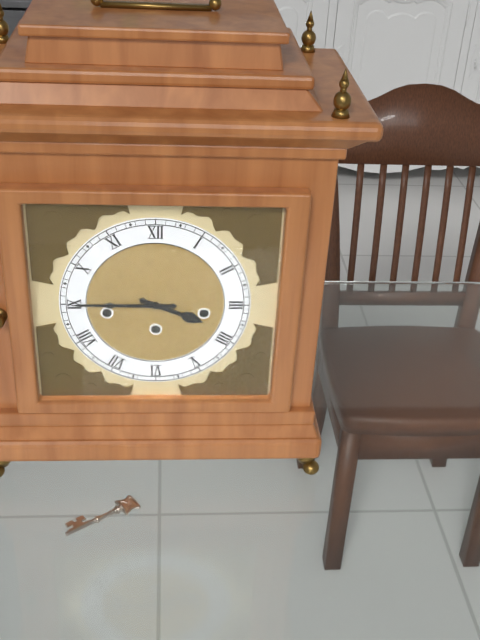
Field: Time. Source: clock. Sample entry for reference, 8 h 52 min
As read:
3 h 45 min
